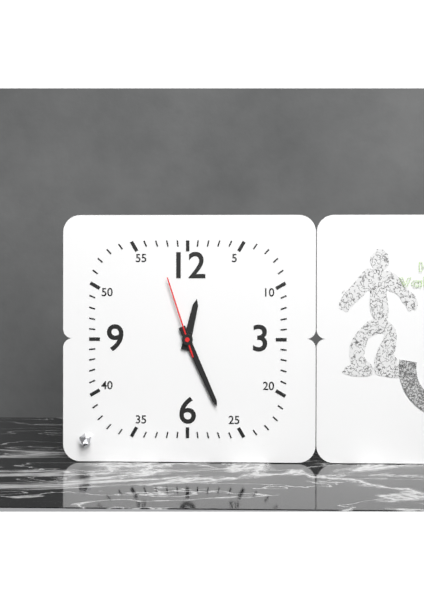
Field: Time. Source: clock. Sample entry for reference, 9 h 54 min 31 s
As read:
12 h 26 min 57 s
